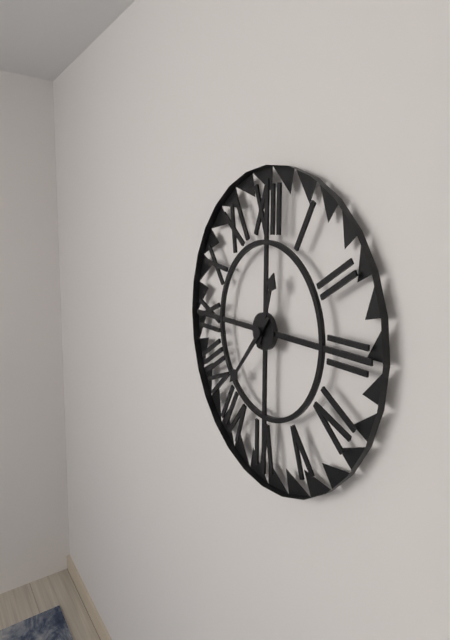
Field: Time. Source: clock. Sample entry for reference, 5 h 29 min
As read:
12 h 37 min
